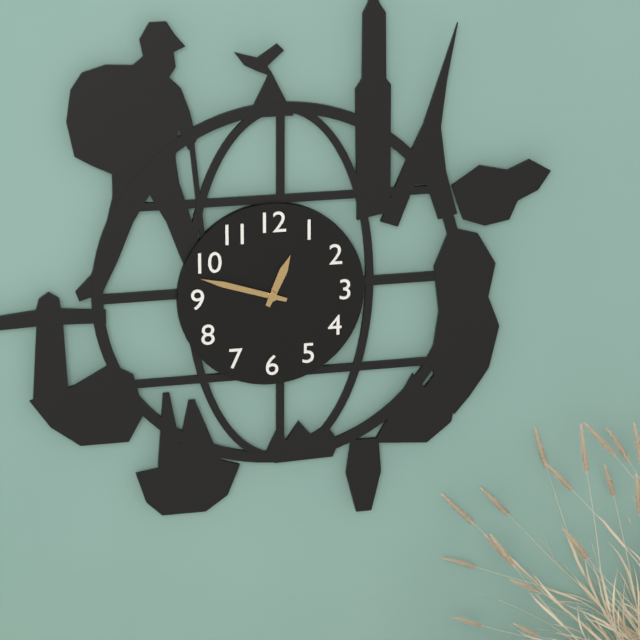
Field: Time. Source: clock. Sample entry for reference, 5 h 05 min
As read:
12 h 48 min
